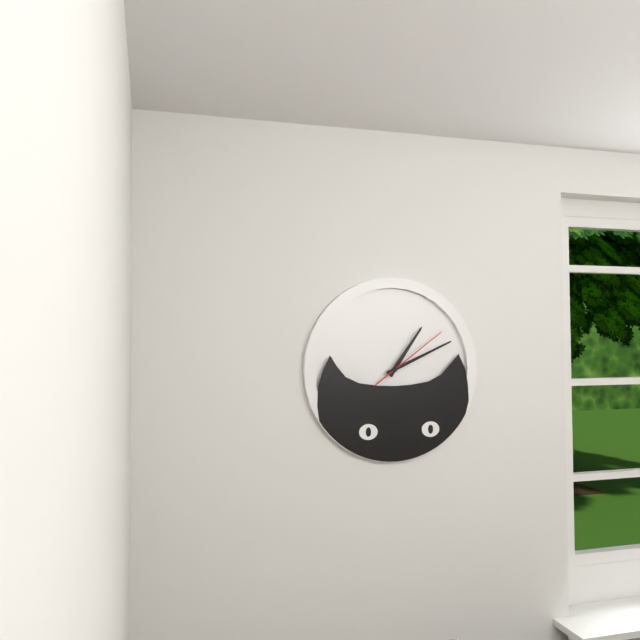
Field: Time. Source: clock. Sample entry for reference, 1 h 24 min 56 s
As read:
1 h 11 min 09 s
